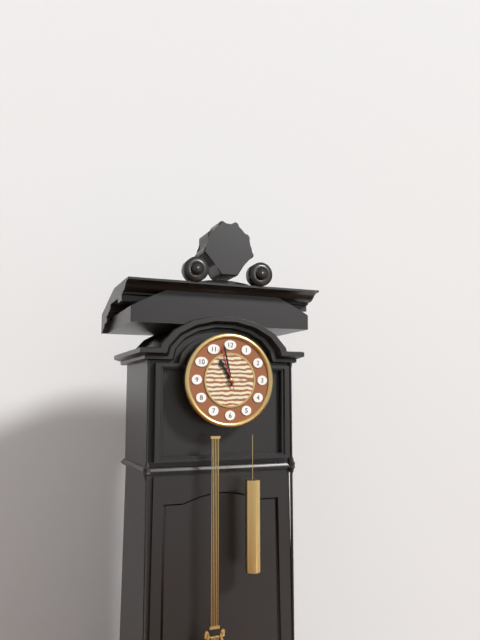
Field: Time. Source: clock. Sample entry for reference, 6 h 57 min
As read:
10 h 58 min
